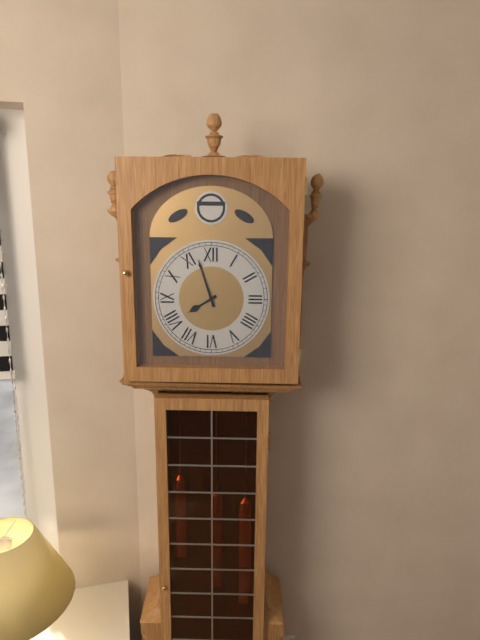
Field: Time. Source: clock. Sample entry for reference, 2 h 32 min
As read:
7 h 57 min
